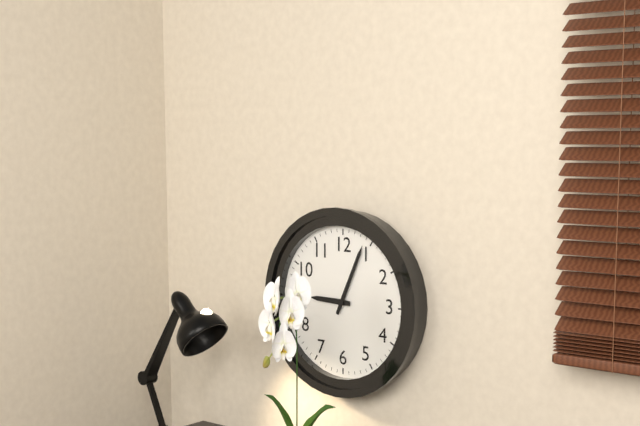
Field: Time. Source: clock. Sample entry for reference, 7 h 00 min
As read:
9 h 04 min
